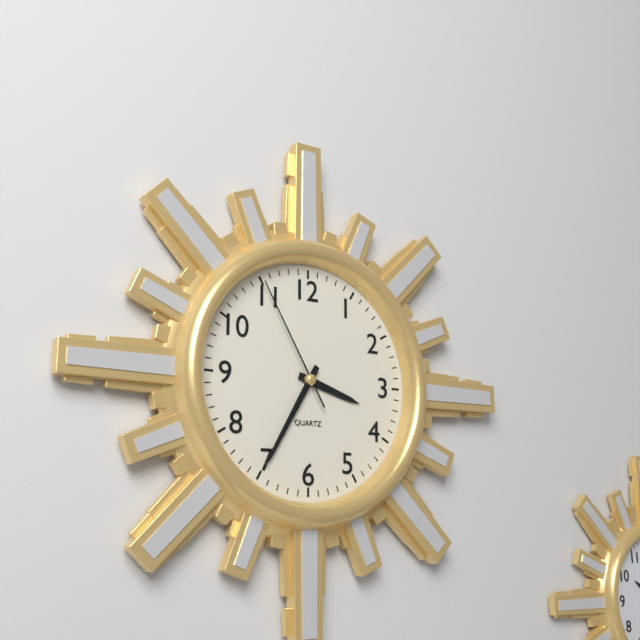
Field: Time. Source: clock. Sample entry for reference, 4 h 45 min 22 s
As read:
3 h 35 min 55 s
